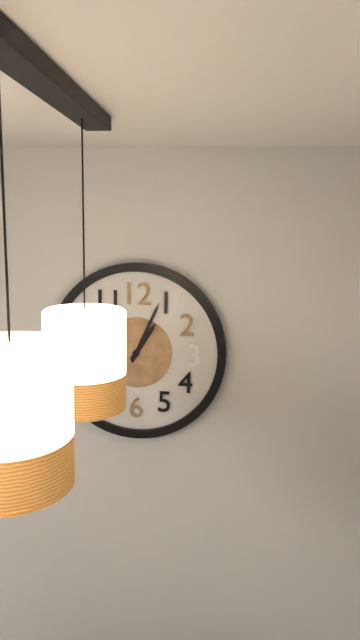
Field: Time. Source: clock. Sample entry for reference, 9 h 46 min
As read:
1 h 04 min
